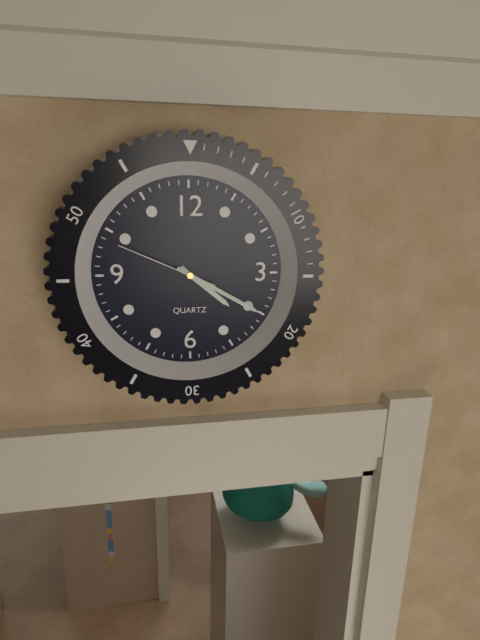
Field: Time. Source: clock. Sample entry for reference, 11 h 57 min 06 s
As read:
4 h 20 min 49 s
